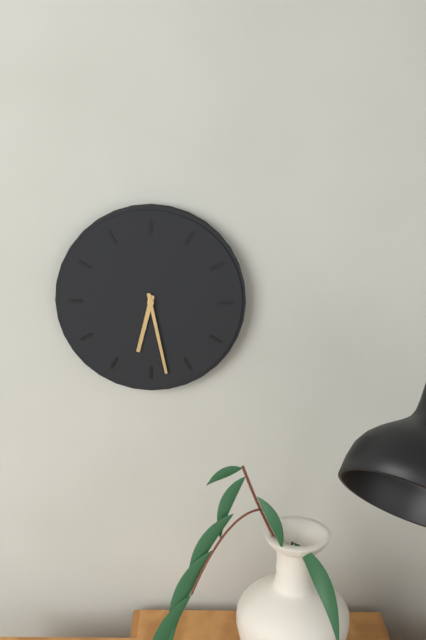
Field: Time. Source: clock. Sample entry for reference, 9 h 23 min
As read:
6 h 28 min
